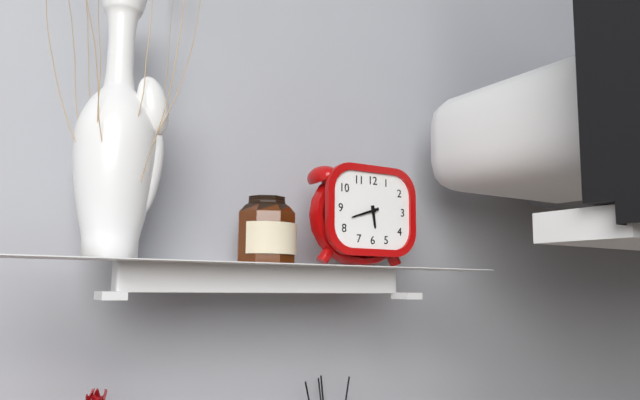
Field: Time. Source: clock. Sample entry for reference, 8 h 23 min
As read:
5 h 42 min
